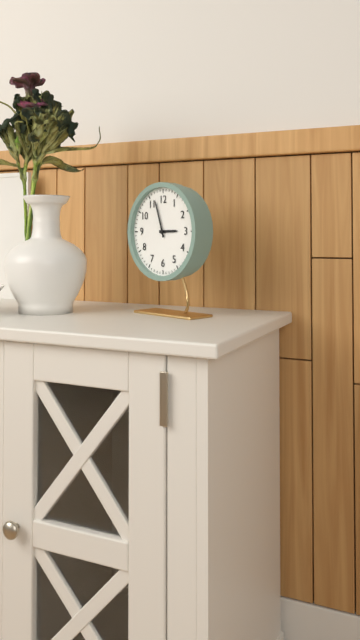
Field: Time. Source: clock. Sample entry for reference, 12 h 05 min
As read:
2 h 57 min
